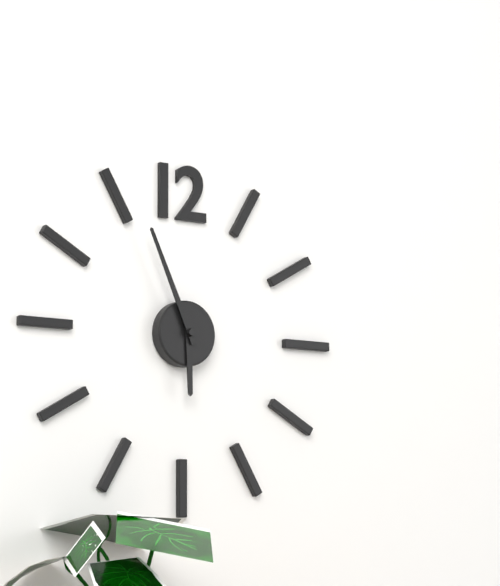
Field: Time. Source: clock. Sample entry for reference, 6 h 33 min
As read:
5 h 56 min
